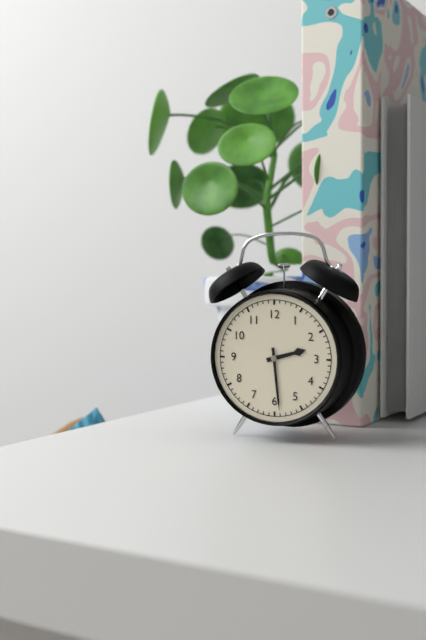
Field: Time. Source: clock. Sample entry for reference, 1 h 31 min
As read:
2 h 29 min
